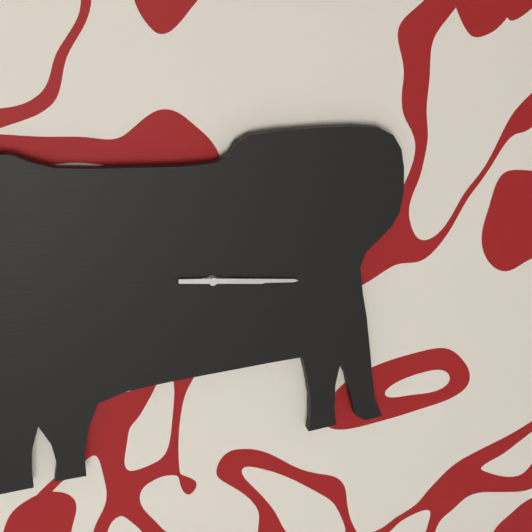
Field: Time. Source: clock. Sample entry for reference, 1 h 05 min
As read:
3 h 16 min
